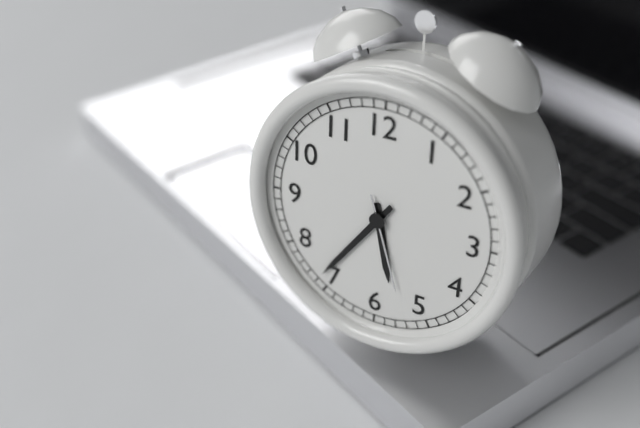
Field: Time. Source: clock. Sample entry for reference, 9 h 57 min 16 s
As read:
5 h 36 min 27 s
